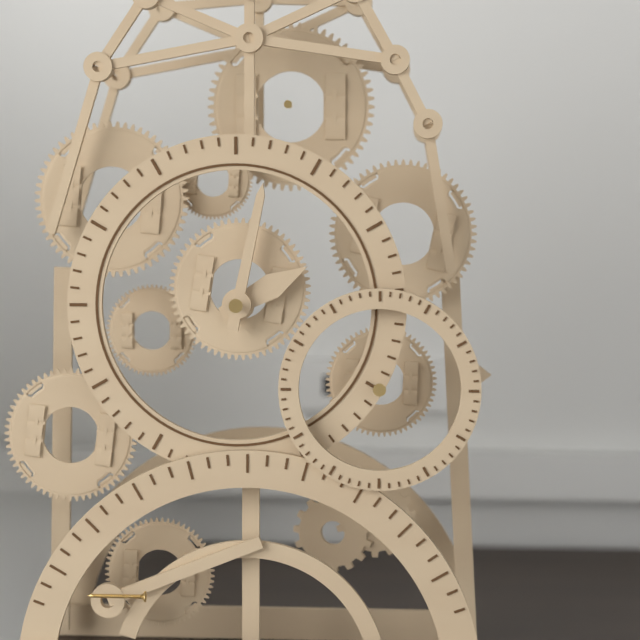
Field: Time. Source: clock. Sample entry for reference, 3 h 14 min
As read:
2 h 02 min
